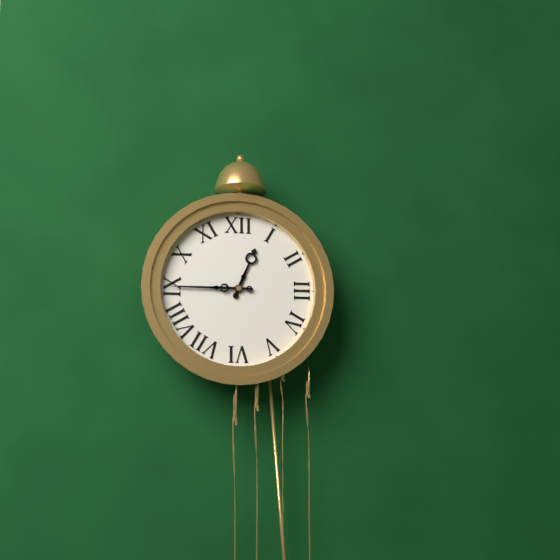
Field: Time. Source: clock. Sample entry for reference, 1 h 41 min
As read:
12 h 45 min
